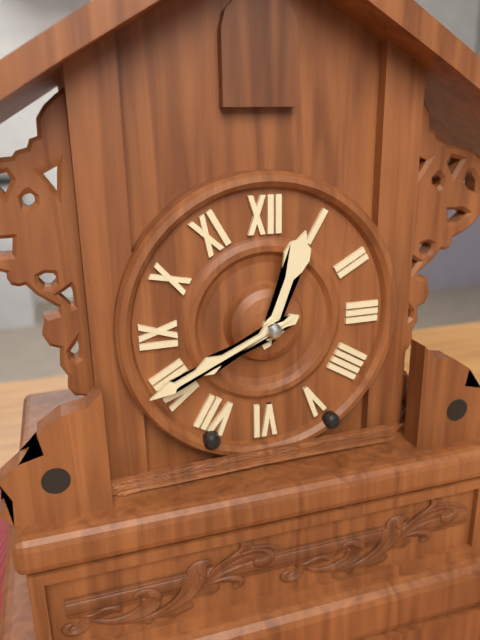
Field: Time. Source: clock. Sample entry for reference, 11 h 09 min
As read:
12 h 41 min
